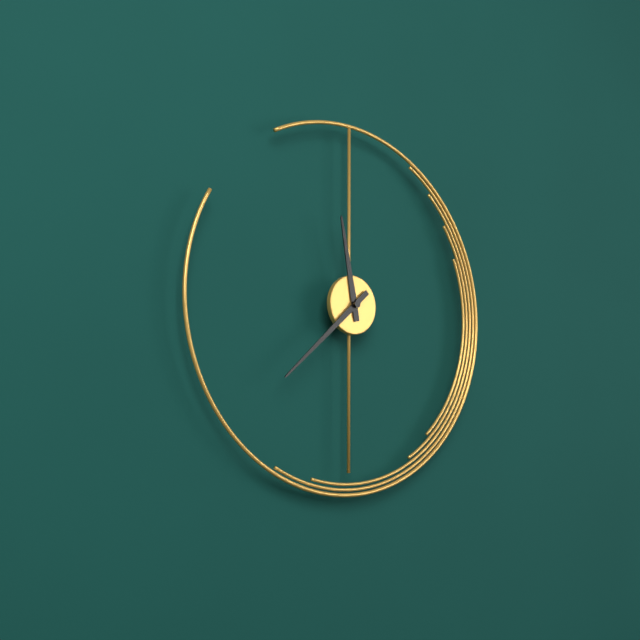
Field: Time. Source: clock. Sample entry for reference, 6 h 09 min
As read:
11 h 38 min
